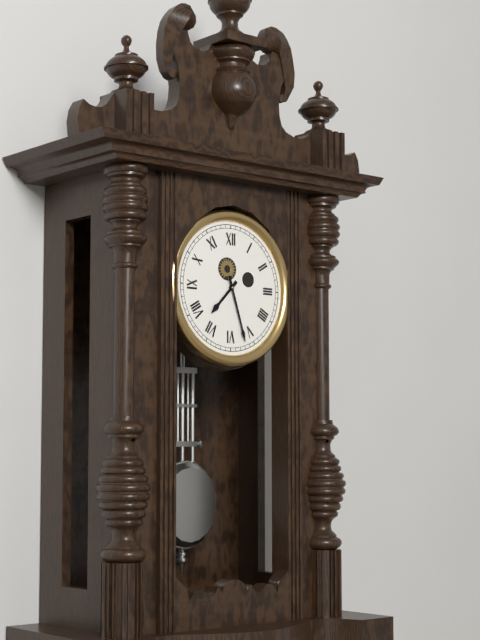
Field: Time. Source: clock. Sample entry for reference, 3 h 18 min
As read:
7 h 27 min
